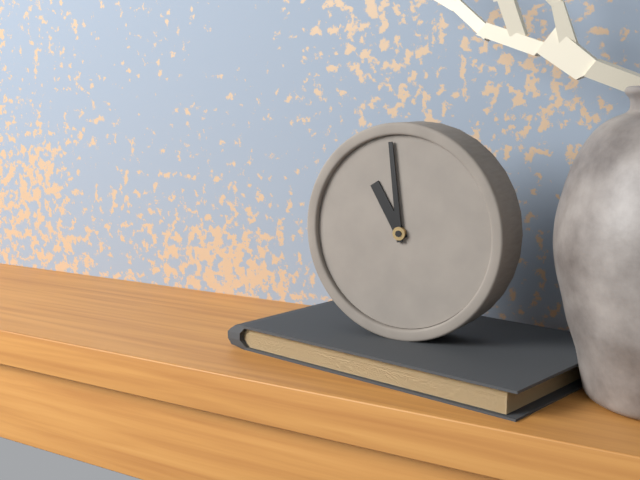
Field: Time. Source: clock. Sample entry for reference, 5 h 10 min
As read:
10 h 59 min
